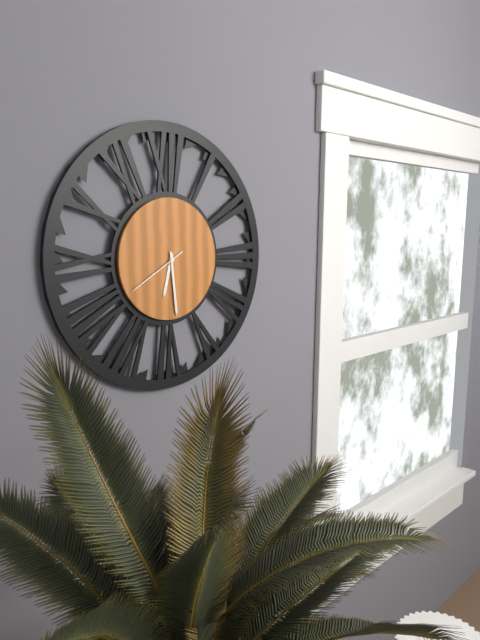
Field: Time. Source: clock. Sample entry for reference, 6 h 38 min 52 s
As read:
6 h 29 min 40 s
